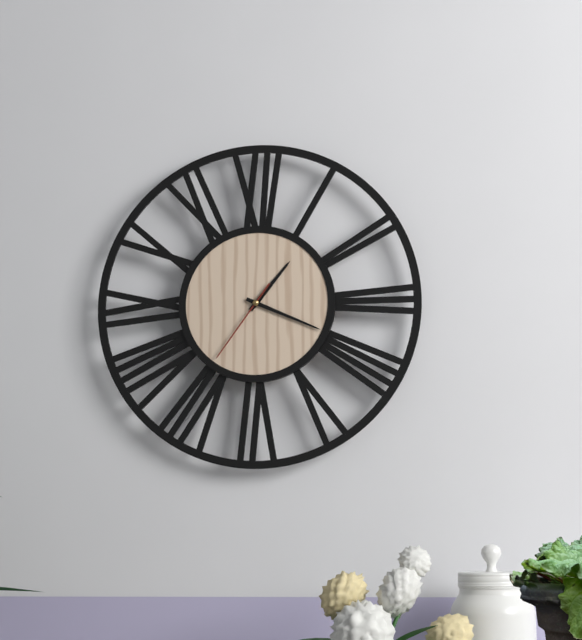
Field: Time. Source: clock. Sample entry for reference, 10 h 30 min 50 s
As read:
1 h 19 min 36 s
